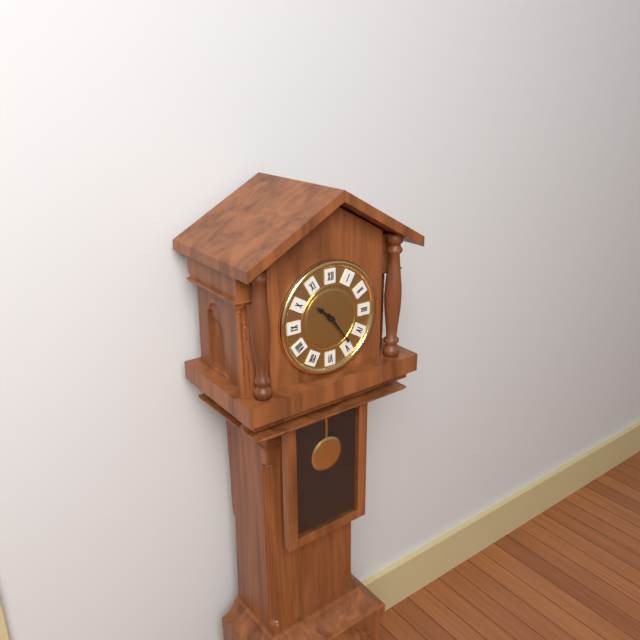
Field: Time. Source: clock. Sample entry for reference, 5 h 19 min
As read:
10 h 24 min
